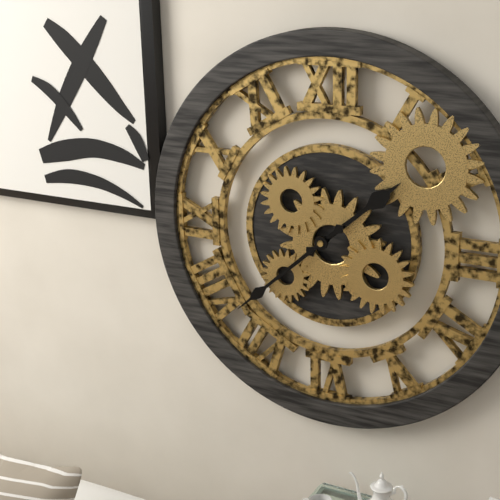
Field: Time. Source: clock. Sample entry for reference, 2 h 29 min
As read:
1 h 38 min
